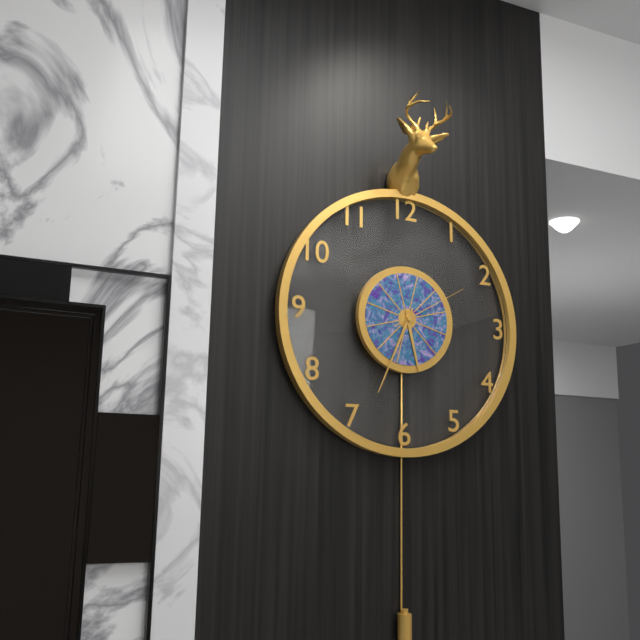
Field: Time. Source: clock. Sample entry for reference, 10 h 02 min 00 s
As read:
5 h 34 min 10 s
